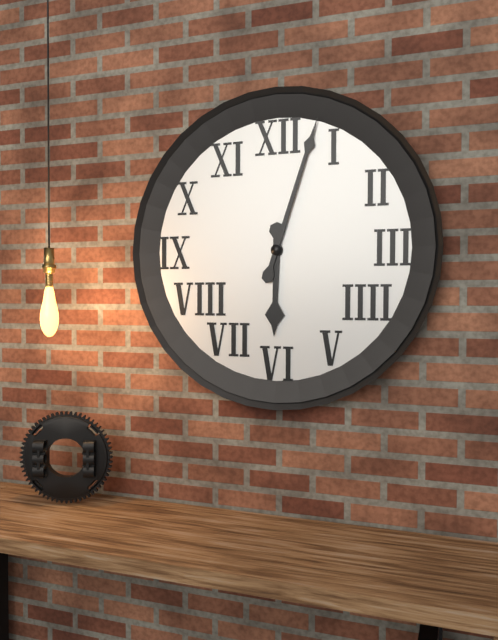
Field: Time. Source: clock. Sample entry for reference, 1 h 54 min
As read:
6 h 03 min
